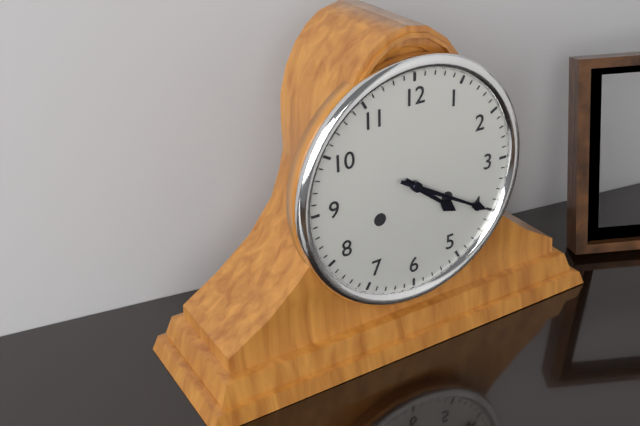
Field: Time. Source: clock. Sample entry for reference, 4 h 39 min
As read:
4 h 20 min
